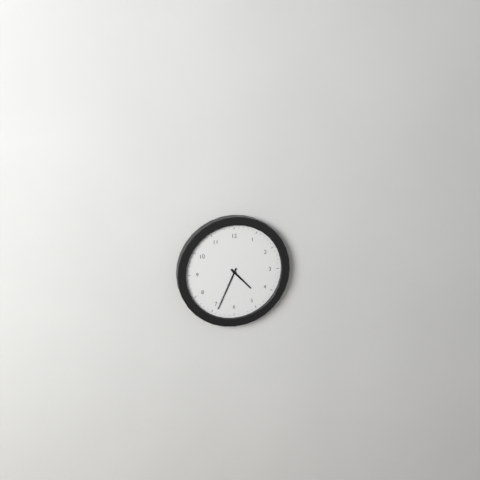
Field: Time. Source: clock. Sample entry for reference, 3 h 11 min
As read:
4 h 34 min
